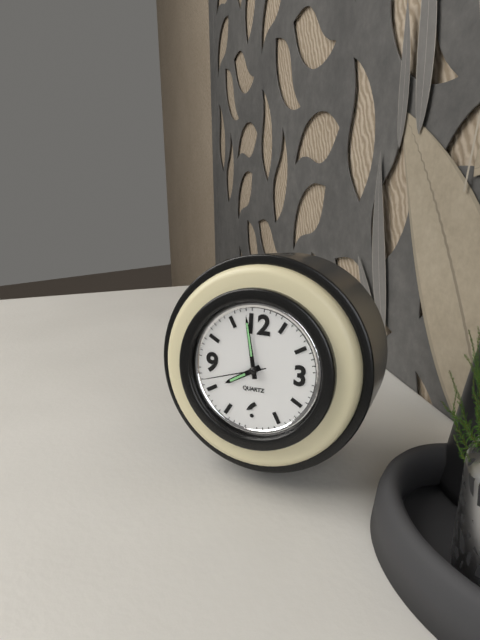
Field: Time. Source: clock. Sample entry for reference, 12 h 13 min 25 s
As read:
7 h 58 min 42 s
